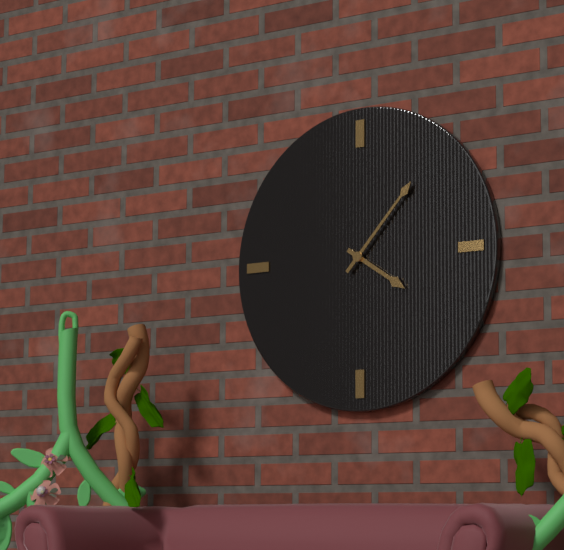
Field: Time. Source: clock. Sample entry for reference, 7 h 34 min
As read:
4 h 07 min
